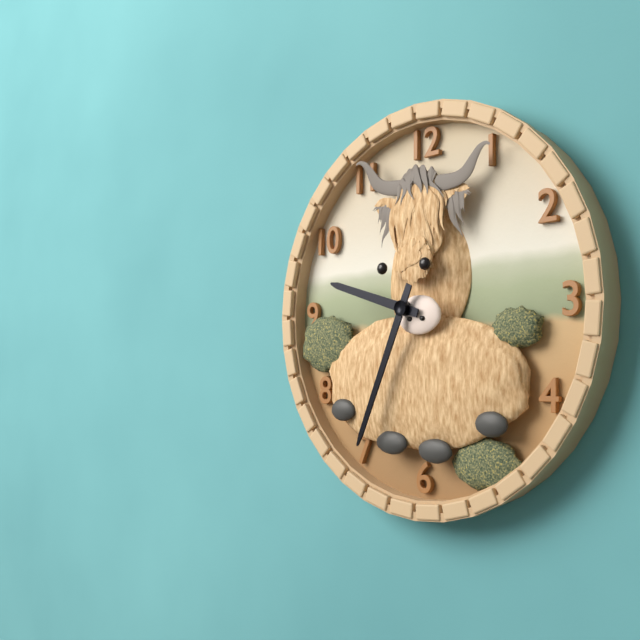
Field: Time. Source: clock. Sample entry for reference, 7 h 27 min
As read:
9 h 34 min
